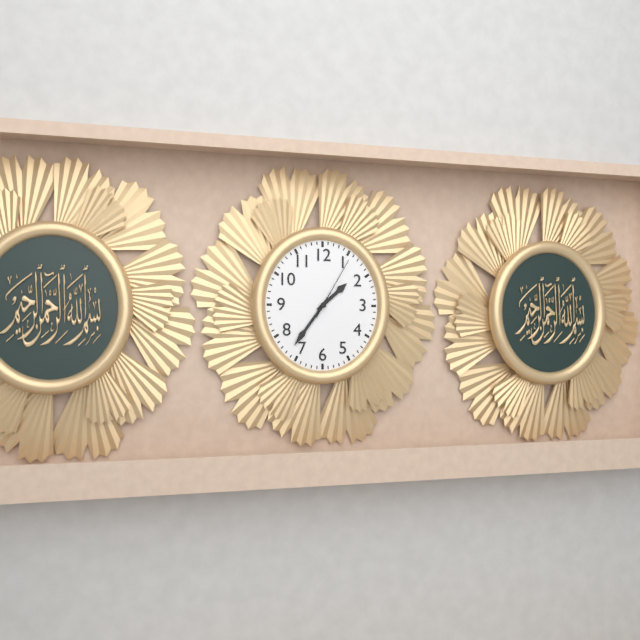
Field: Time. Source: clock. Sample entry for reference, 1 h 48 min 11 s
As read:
1 h 36 min 05 s
